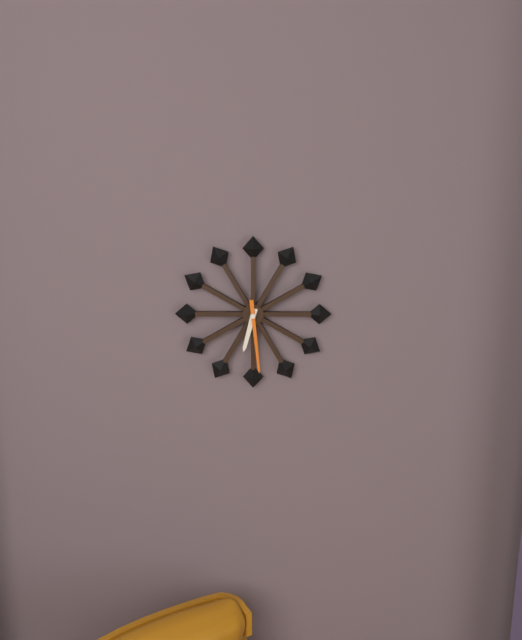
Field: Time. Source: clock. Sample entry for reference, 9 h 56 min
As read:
6 h 29 min
